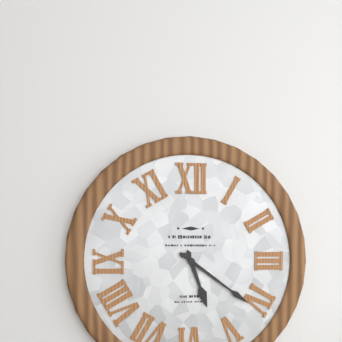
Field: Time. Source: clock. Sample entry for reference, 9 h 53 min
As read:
5 h 21 min
